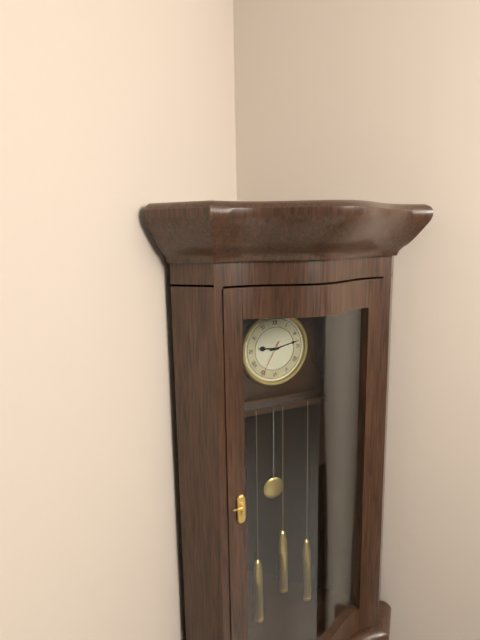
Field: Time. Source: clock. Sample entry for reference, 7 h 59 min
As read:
9 h 13 min
